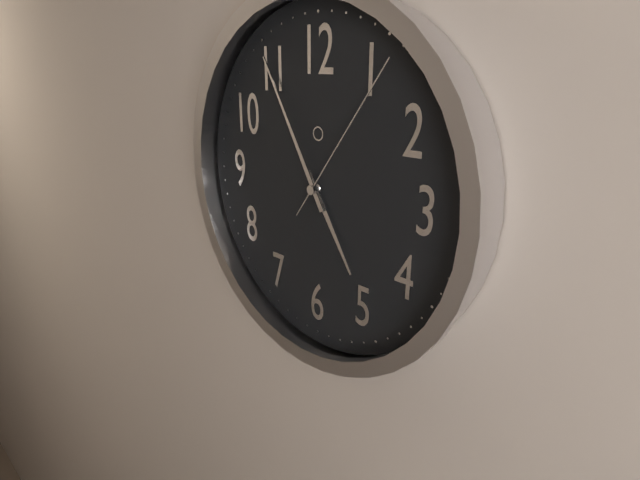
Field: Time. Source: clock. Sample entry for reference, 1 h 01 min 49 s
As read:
4 h 55 min 06 s
